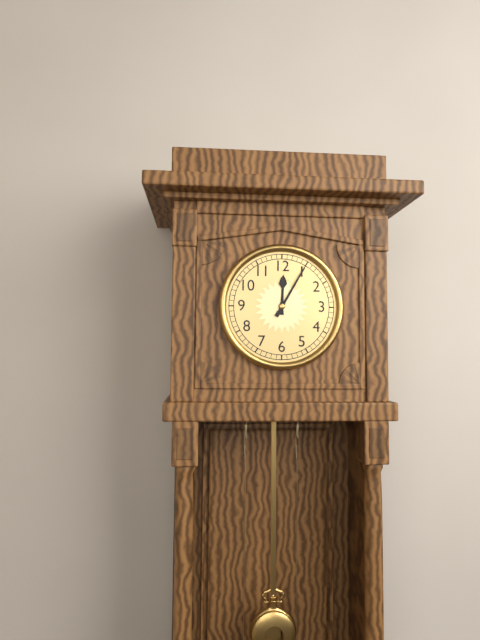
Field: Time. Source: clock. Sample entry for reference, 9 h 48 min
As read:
12 h 05 min
